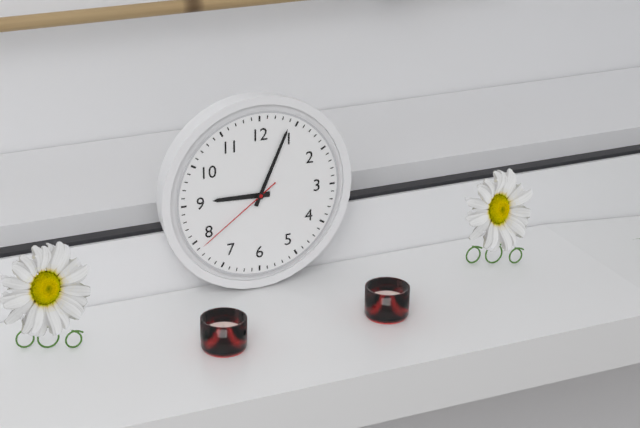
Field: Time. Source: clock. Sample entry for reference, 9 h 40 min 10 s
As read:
9 h 04 min 39 s
